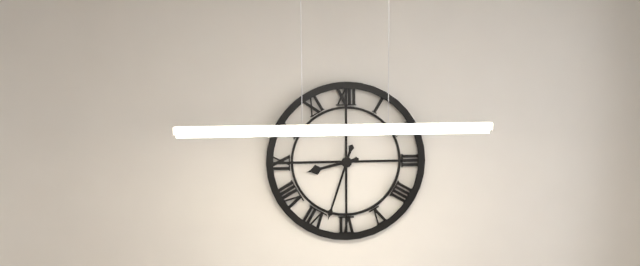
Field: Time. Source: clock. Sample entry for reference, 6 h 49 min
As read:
8 h 33 min
